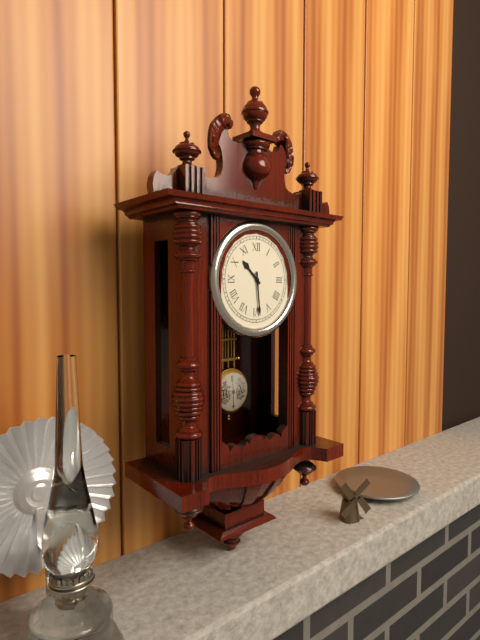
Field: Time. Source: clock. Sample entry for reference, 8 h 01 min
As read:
10 h 29 min
